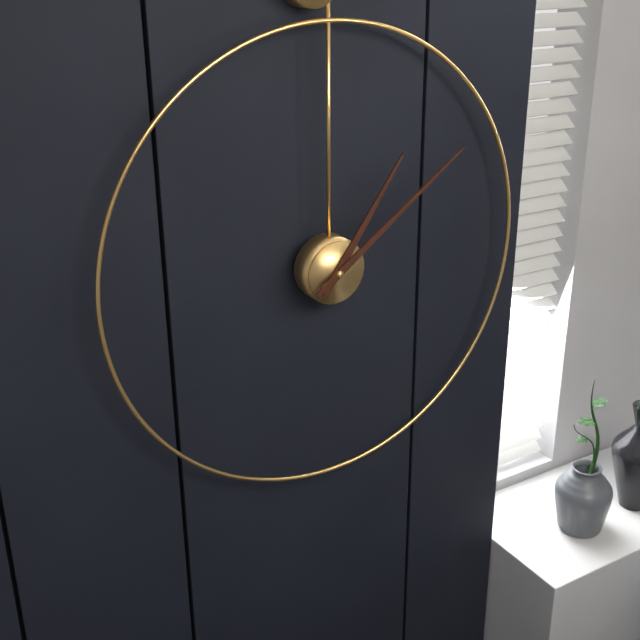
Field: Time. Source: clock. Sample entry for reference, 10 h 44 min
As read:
1 h 09 min
